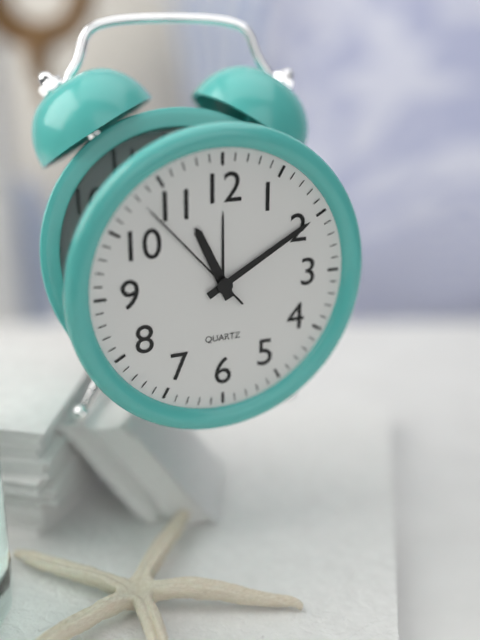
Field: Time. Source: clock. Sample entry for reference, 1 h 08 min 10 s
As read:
11 h 10 min 53 s
